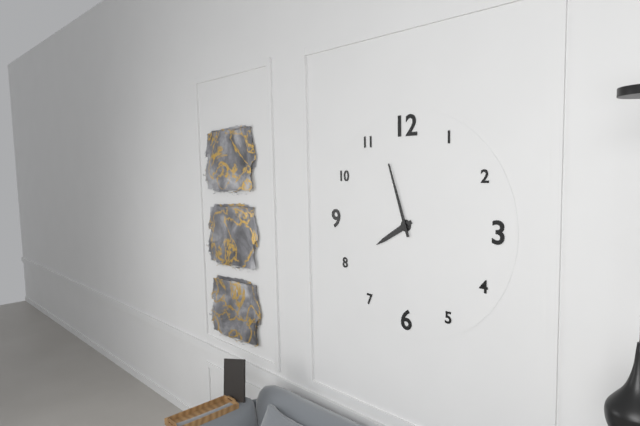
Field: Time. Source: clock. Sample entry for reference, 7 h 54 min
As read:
7 h 57 min
